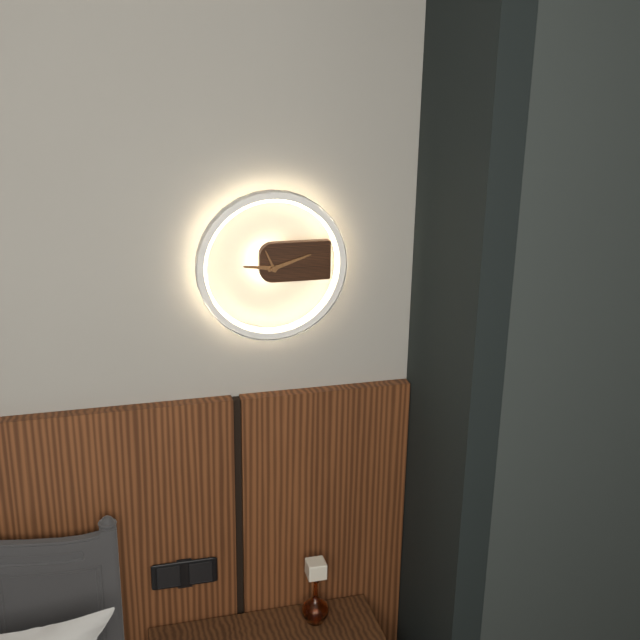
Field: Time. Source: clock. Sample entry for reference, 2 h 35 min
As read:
9 h 12 min
